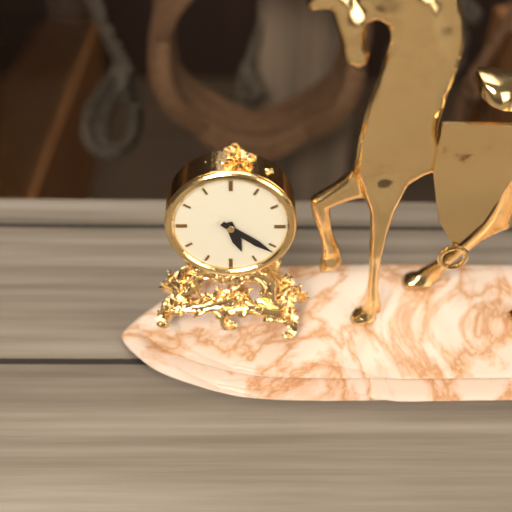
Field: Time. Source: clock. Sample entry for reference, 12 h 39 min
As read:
5 h 21 min
